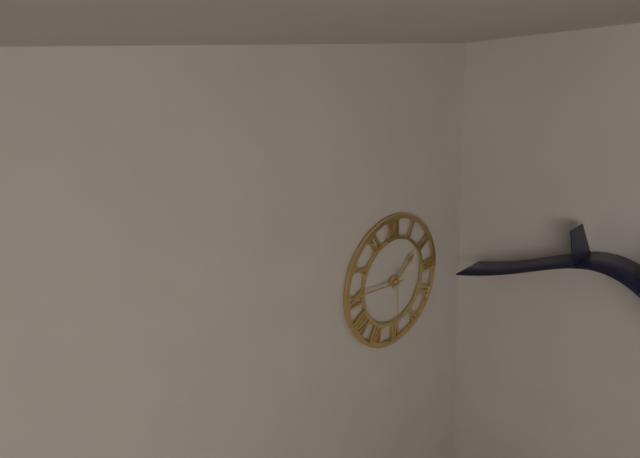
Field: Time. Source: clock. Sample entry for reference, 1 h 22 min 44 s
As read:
1 h 46 min 30 s
